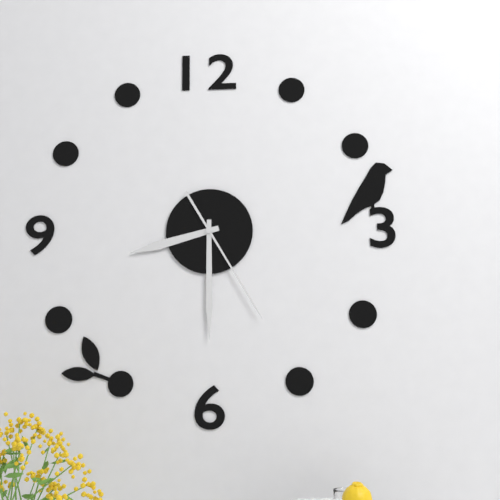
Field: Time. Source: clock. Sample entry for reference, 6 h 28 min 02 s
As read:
8 h 30 min 25 s
